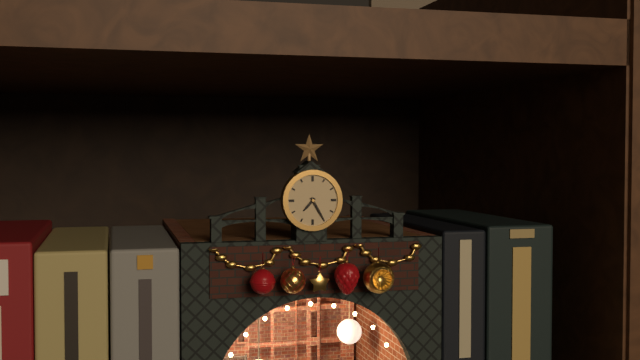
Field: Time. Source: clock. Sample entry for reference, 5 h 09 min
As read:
7 h 25 min
